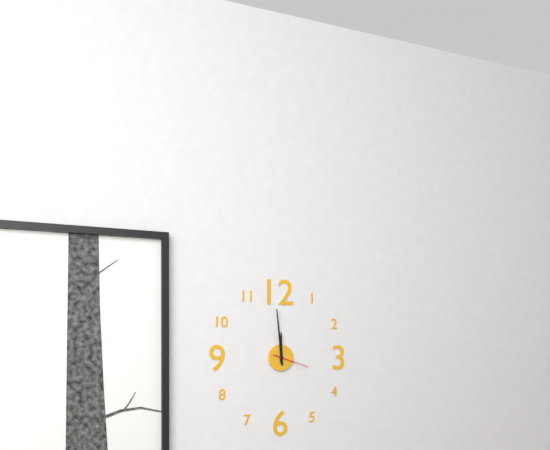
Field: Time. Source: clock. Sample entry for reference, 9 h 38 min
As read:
11 h 59 min
